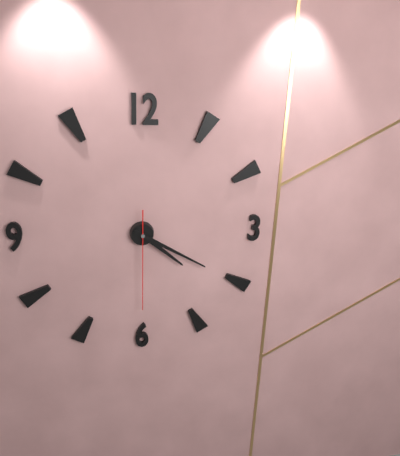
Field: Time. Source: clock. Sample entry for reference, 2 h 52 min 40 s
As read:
4 h 20 min 30 s
